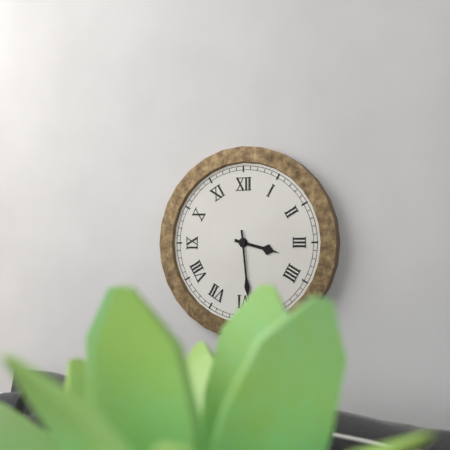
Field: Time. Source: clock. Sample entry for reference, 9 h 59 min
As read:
3 h 29 min
